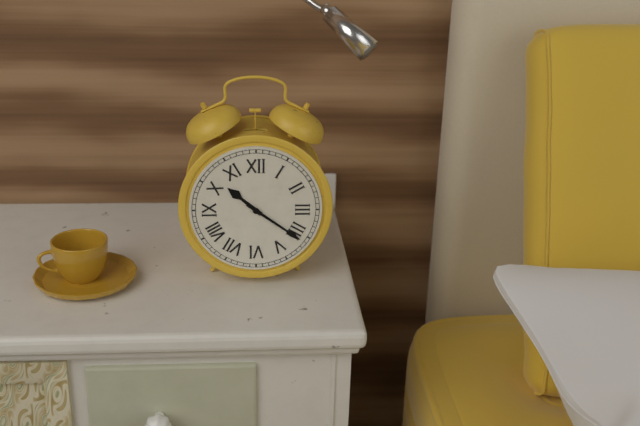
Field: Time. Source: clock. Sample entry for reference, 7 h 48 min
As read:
10 h 21 min
